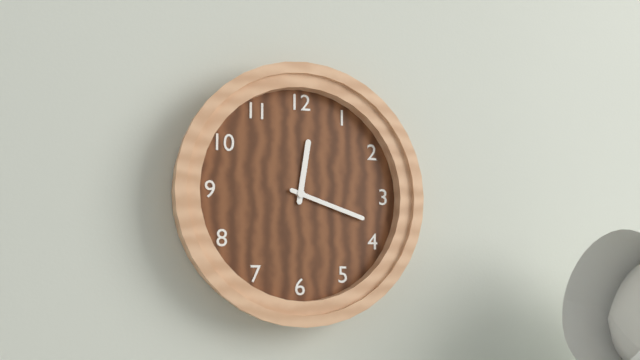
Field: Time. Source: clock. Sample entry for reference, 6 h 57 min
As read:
12 h 18 min
